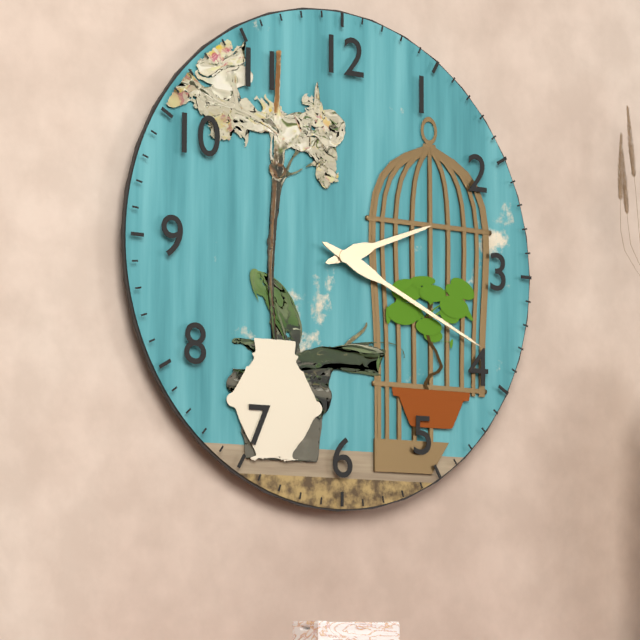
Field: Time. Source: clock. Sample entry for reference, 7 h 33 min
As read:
2 h 19 min
